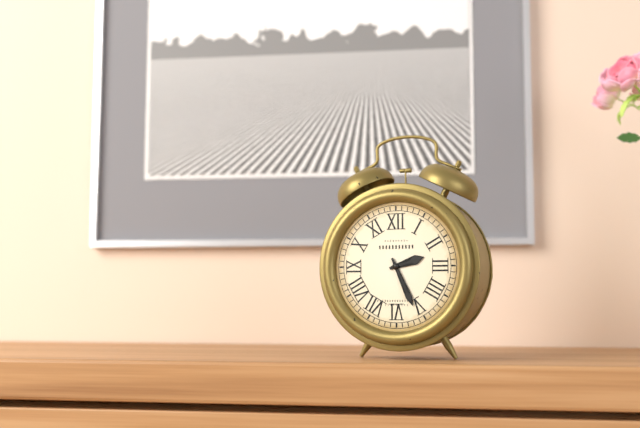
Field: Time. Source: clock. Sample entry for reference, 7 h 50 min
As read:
2 h 26 min
